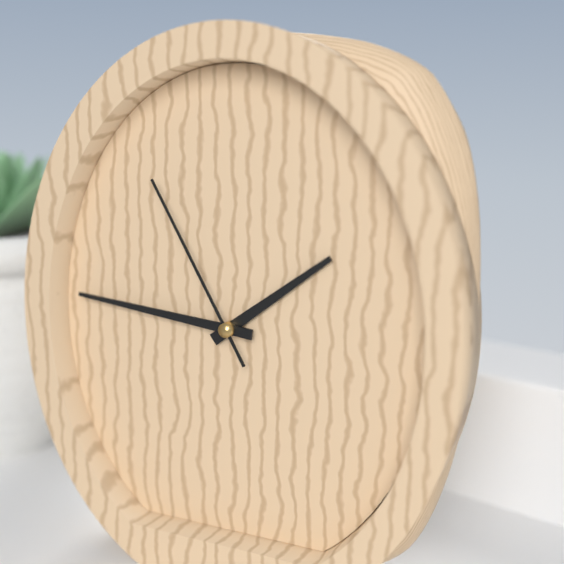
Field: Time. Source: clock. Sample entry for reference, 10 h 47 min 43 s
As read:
1 h 46 min 55 s
